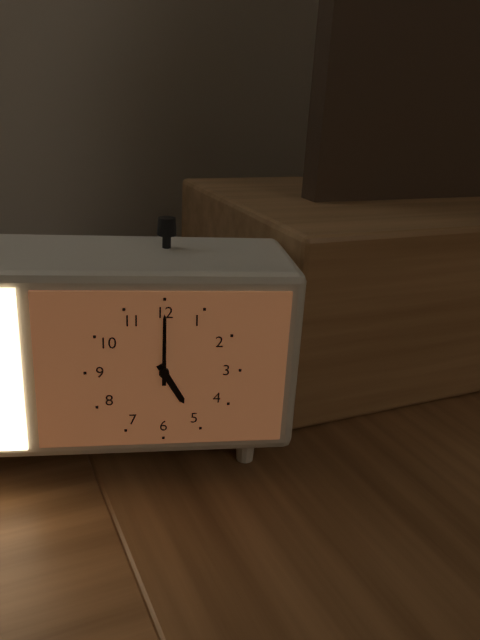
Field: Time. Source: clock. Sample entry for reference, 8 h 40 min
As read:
5 h 00 min
